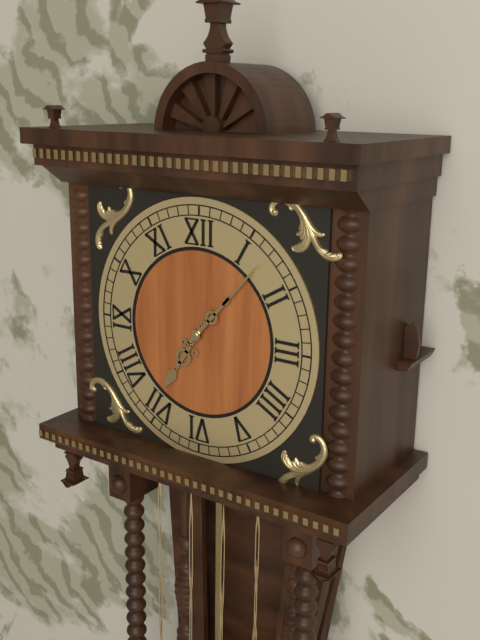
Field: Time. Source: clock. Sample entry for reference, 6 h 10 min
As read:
7 h 07 min
